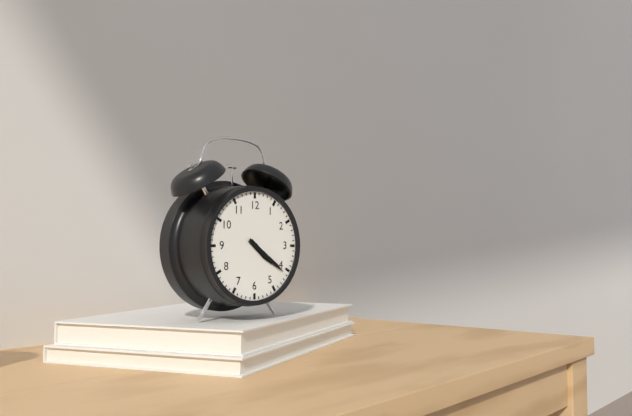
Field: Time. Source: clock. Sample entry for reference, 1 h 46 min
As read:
4 h 21 min
